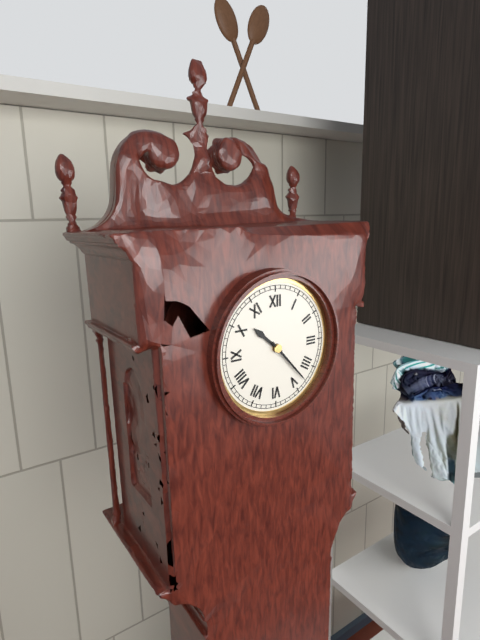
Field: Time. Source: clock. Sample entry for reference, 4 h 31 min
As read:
10 h 23 min
